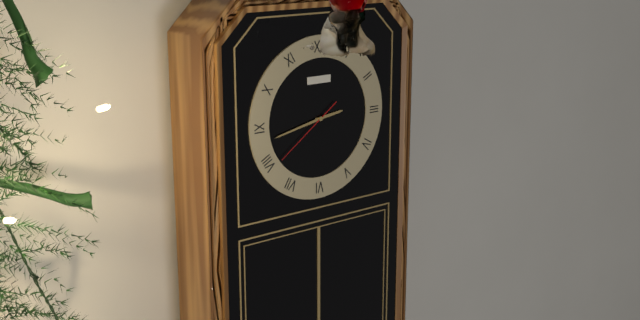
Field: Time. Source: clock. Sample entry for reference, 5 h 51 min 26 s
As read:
2 h 43 min 39 s
